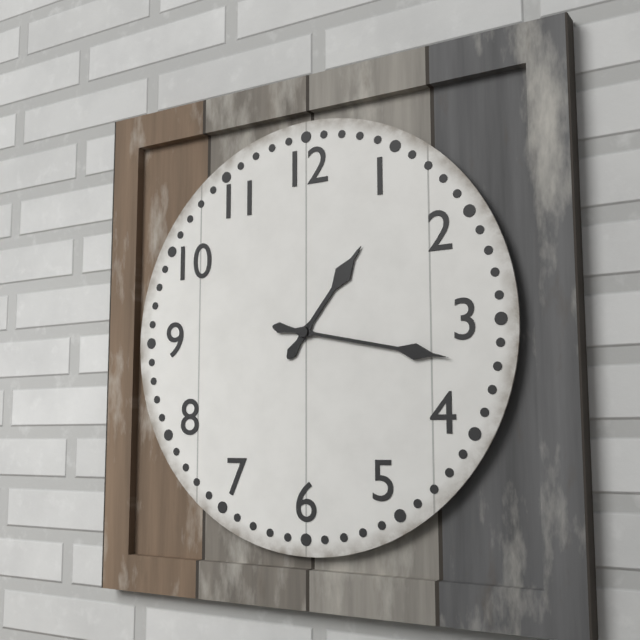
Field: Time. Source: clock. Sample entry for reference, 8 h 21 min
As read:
1 h 17 min
